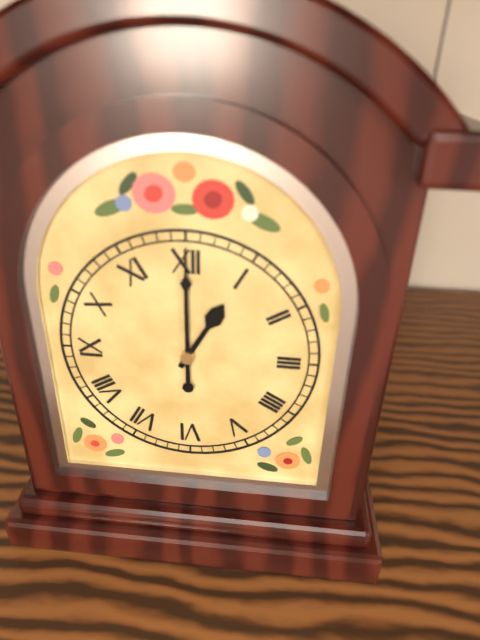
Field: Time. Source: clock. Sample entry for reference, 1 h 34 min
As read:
1 h 00 min
